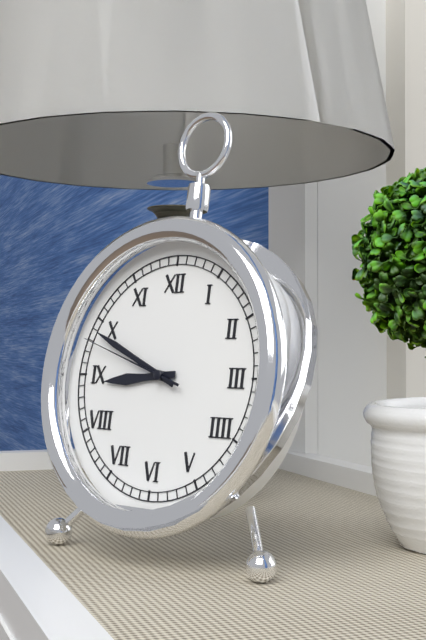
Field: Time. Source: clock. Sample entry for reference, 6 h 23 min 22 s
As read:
8 h 49 min 48 s
